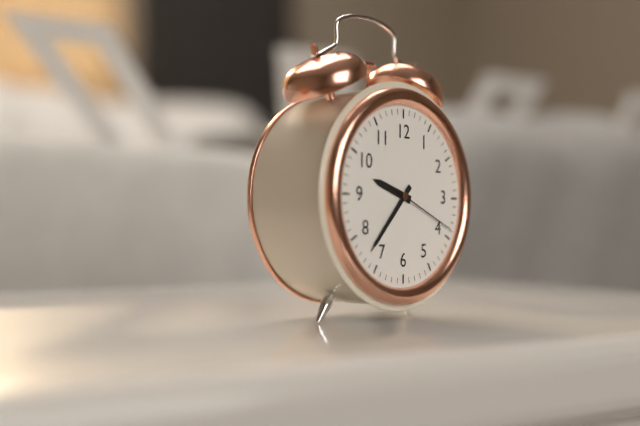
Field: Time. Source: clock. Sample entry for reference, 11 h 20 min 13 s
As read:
9 h 37 min 19 s
